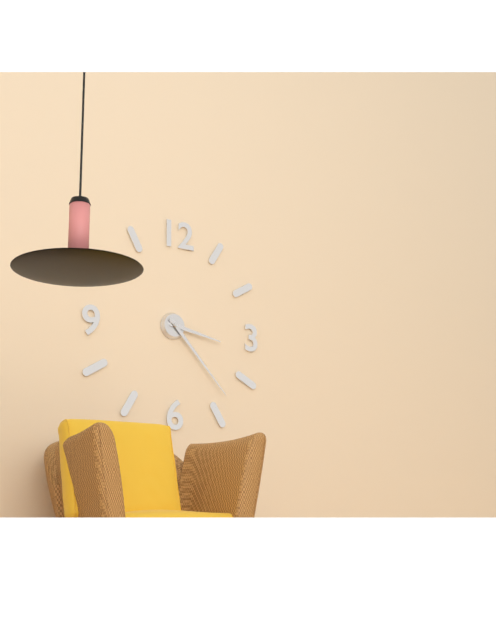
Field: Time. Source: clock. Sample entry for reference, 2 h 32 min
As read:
3 h 23 min
